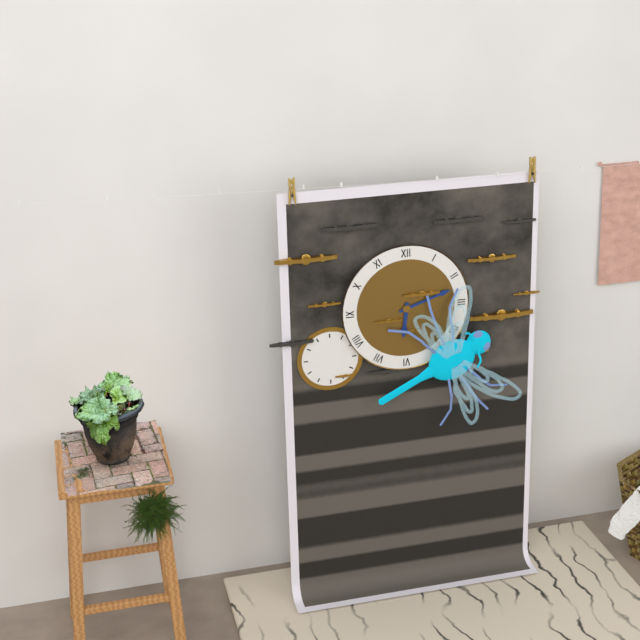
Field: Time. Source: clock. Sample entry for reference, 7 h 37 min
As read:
6 h 12 min
